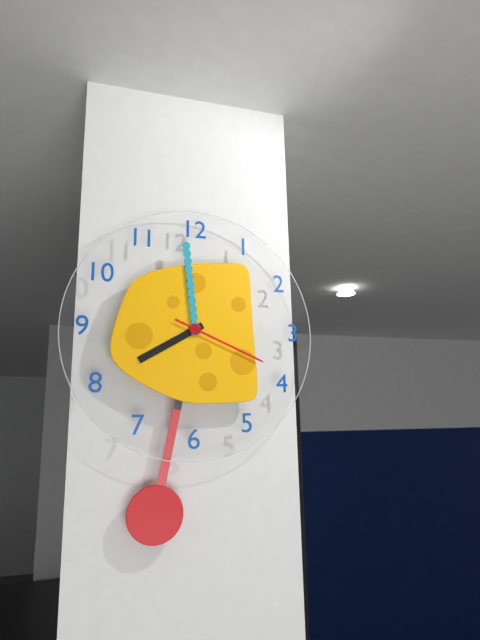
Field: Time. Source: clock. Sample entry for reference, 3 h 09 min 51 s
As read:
7 h 59 min 19 s
